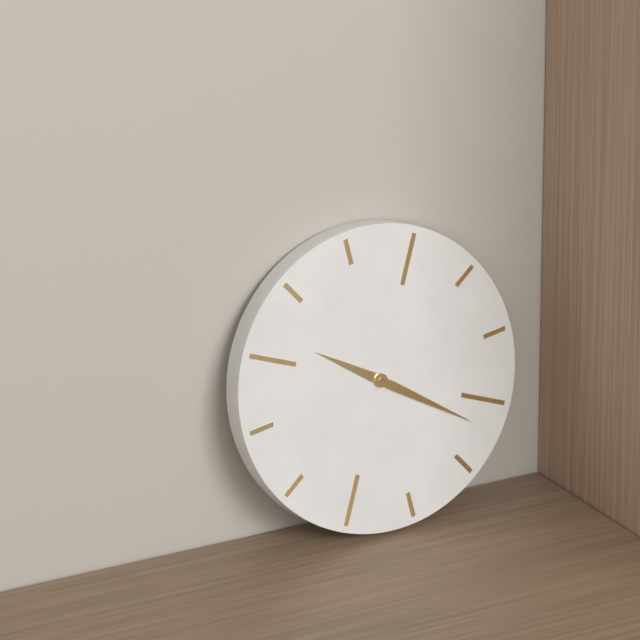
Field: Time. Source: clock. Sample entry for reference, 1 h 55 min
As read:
10 h 22 min
